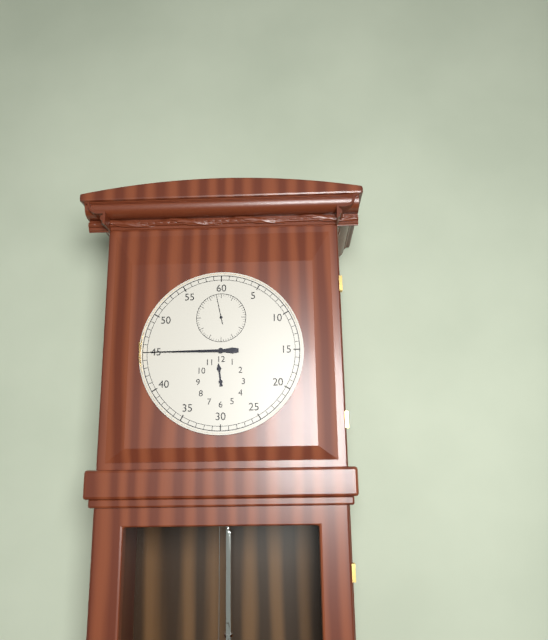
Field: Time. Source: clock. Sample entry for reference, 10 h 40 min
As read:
11 h 45 min
